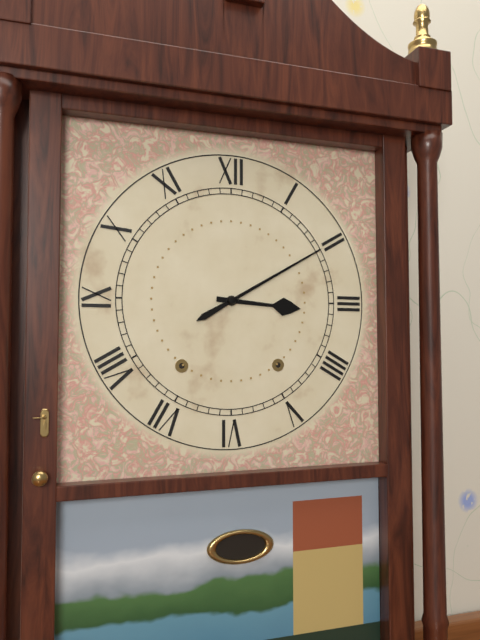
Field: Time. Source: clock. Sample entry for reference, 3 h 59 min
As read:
3 h 10 min
